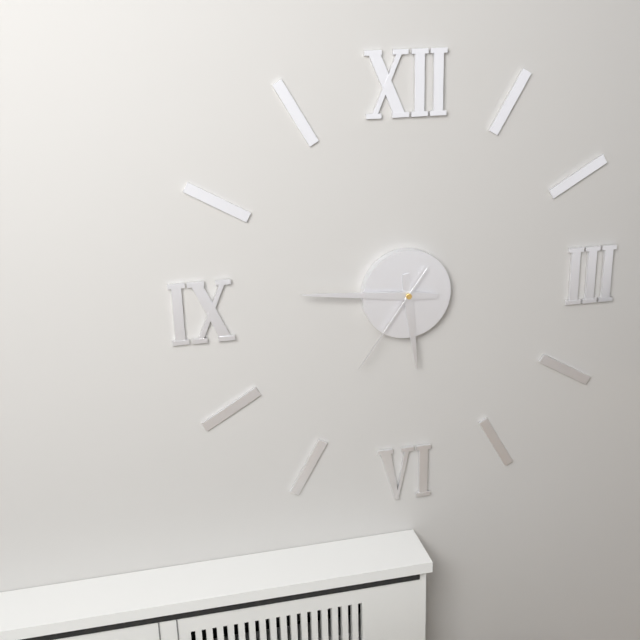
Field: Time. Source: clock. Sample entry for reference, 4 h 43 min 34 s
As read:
5 h 46 min 36 s
